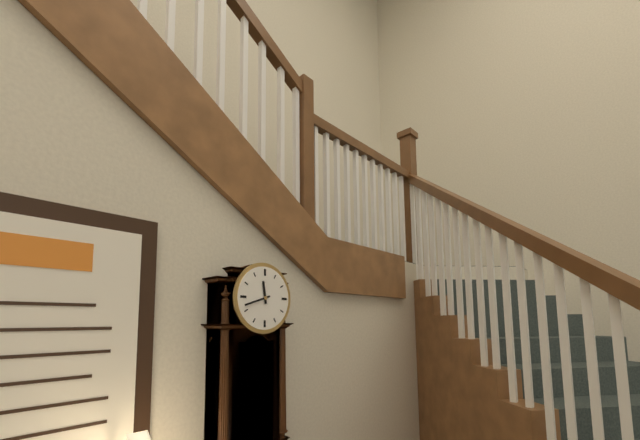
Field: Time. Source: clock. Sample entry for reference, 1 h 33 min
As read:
11 h 42 min
